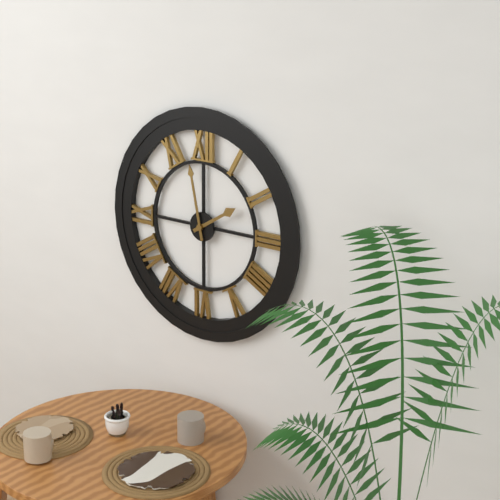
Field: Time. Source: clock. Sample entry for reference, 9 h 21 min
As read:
1 h 58 min
